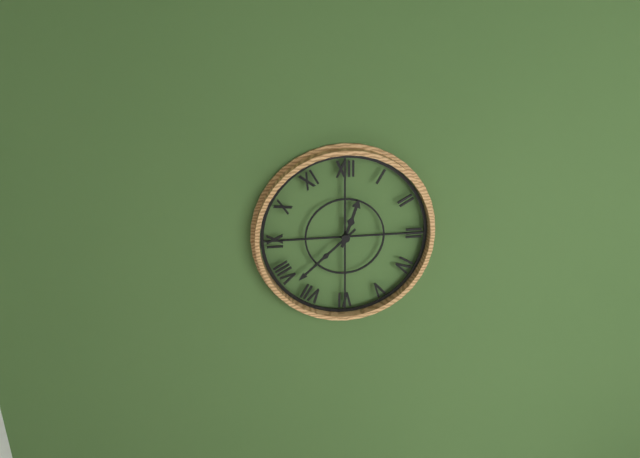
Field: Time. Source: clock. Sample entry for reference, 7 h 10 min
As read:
12 h 38 min
